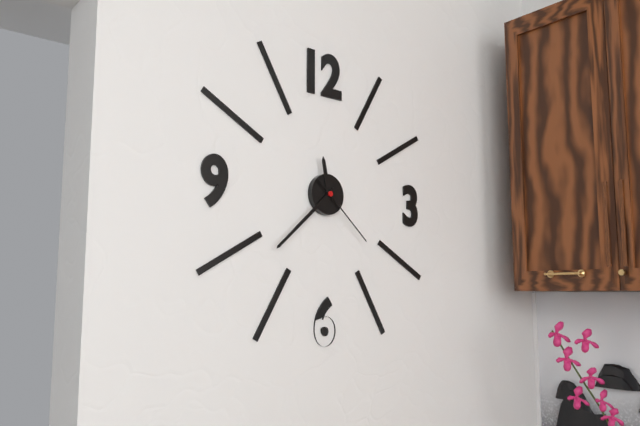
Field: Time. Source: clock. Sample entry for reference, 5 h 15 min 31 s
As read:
11 h 38 min 22 s
